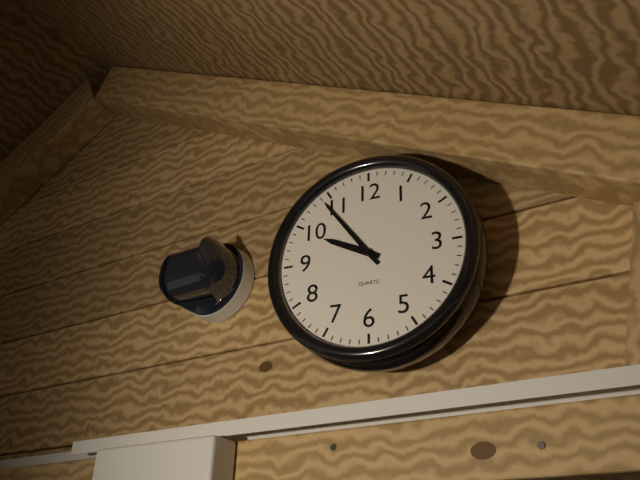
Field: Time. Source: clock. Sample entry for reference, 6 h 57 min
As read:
9 h 54 min
